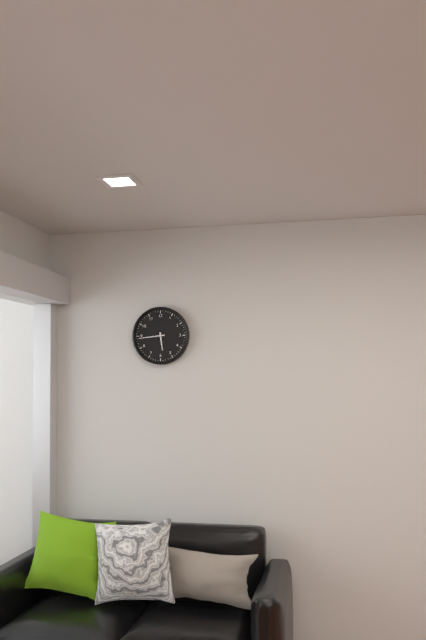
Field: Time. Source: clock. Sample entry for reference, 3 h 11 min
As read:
5 h 44 min
